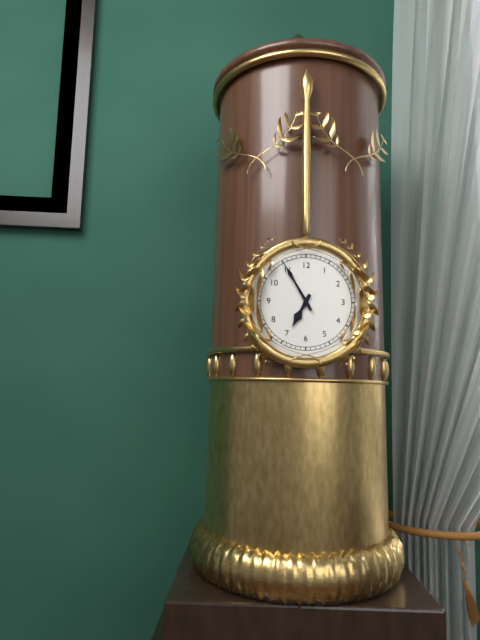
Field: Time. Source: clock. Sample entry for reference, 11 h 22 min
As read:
6 h 55 min
